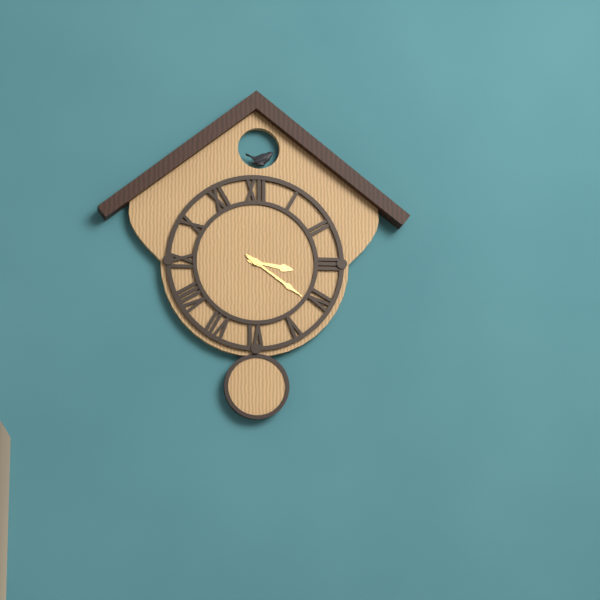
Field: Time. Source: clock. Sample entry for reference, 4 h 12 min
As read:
3 h 21 min
